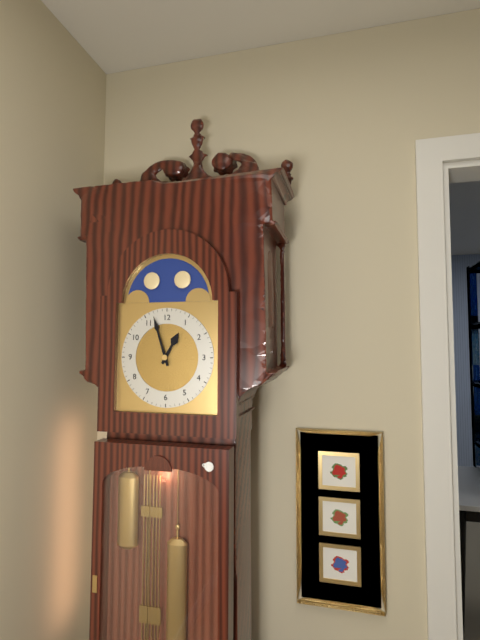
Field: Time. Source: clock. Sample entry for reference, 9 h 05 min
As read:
12 h 57 min
